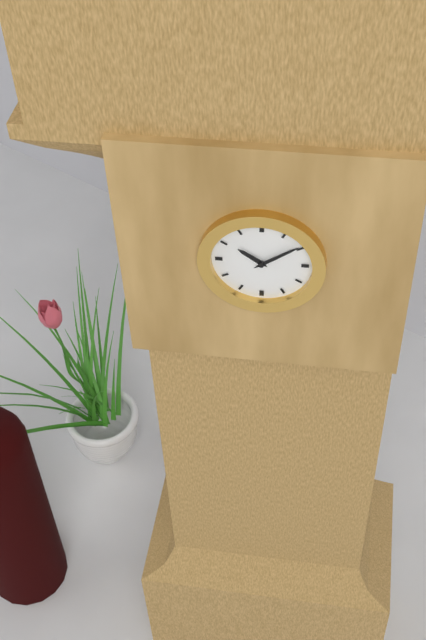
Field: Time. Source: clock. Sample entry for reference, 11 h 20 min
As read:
10 h 09 min
